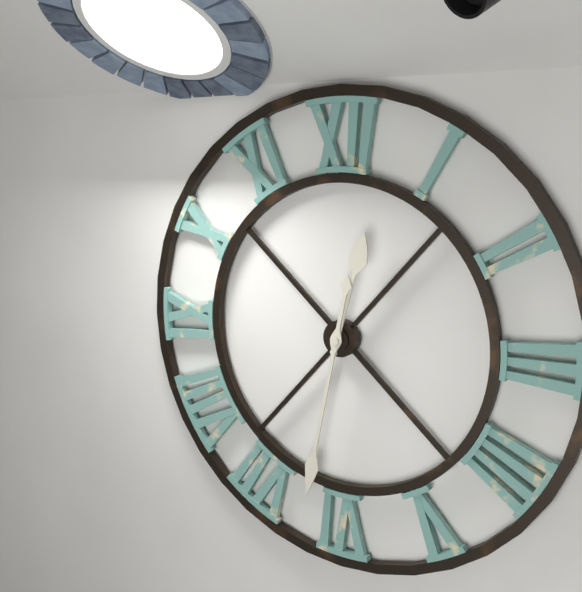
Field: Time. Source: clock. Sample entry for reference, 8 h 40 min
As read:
12 h 32 min
